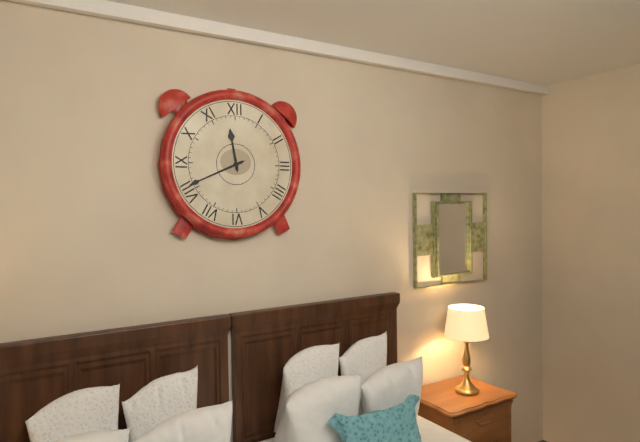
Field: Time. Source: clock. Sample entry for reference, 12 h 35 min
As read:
11 h 41 min
